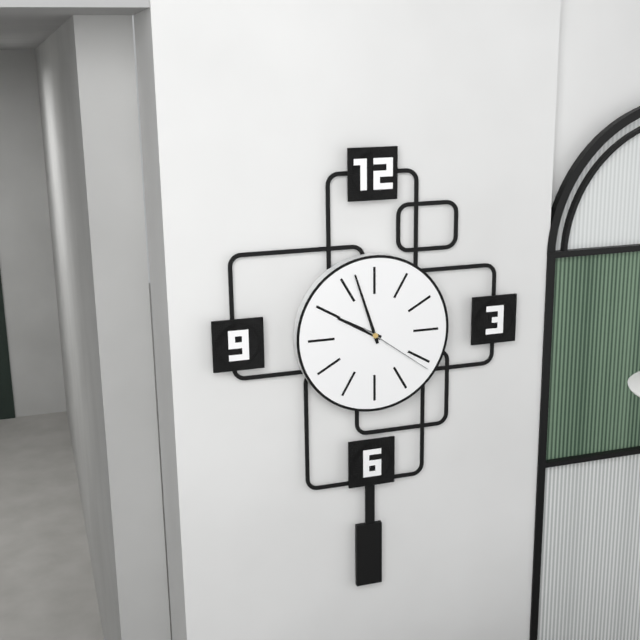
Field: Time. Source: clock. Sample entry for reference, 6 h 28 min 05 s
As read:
9 h 57 min 21 s
